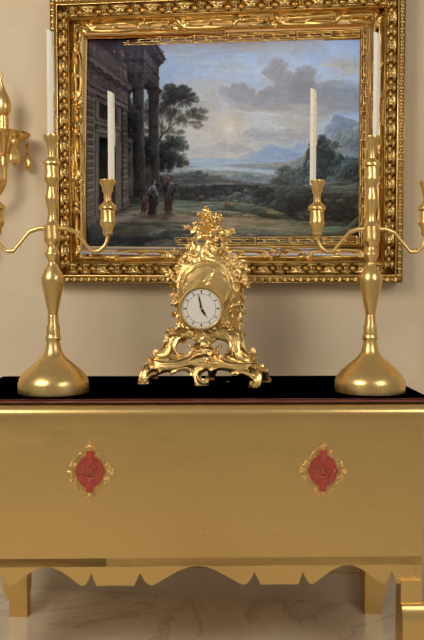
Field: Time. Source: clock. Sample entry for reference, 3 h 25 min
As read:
4 h 58 min
